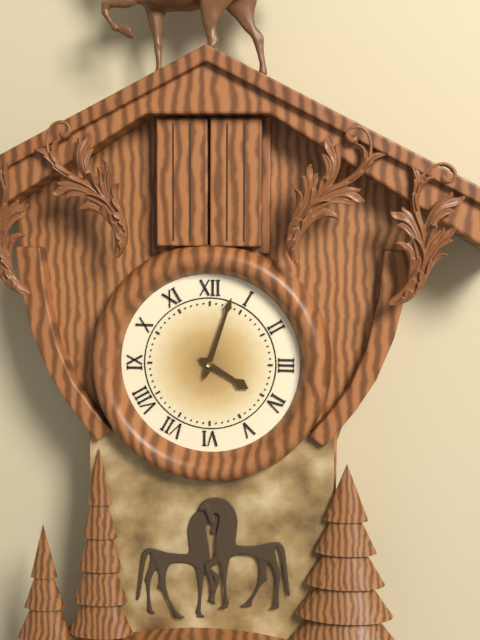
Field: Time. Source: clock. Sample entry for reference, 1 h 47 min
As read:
4 h 03 min
